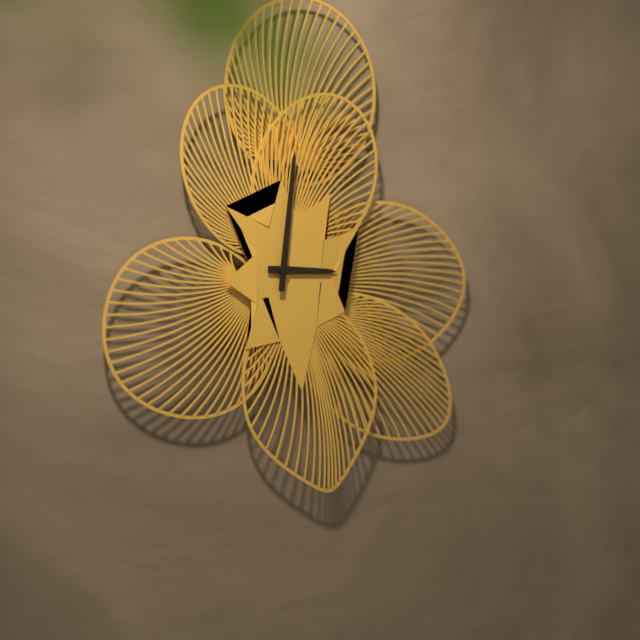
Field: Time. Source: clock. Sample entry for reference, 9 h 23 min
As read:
3 h 01 min
